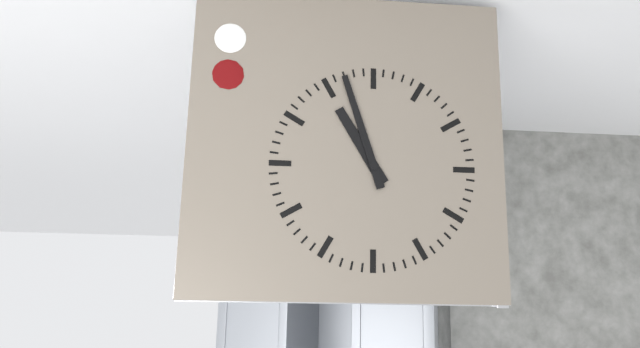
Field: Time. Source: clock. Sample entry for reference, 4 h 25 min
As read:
10 h 57 min
